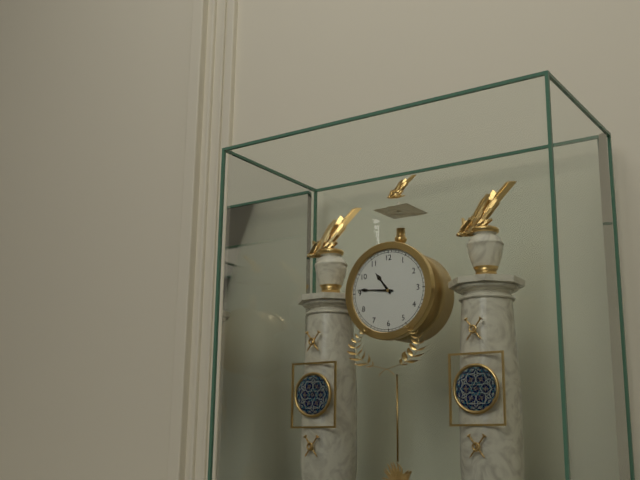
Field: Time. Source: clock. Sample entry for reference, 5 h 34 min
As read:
10 h 46 min
